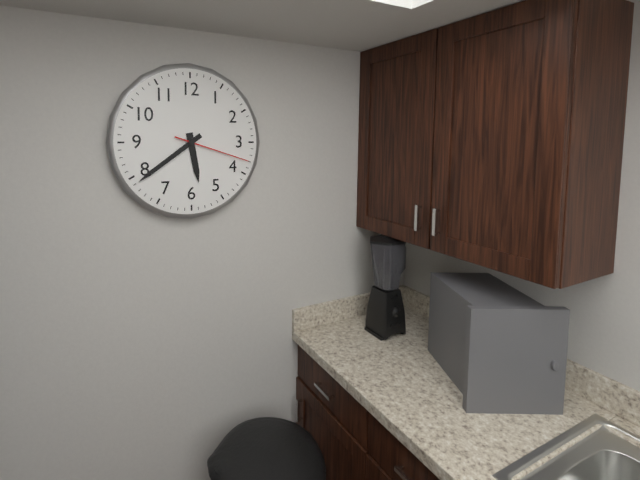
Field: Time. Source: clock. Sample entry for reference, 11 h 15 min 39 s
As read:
5 h 39 min 18 s
